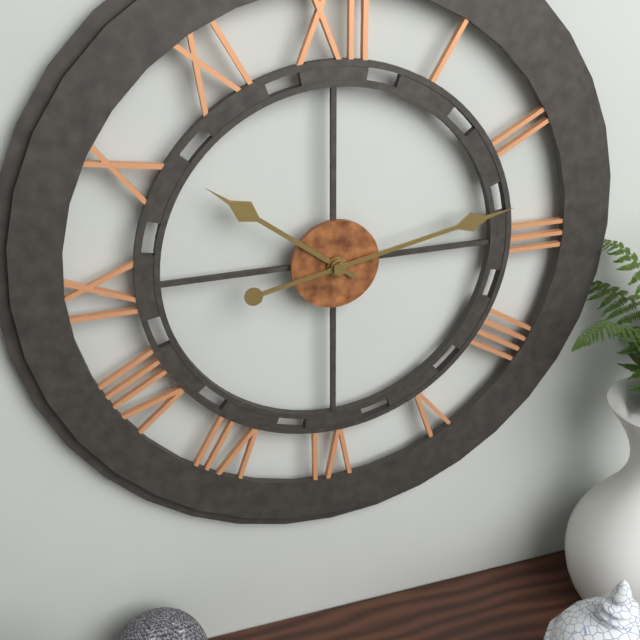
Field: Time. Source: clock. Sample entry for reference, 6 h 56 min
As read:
10 h 13 min
